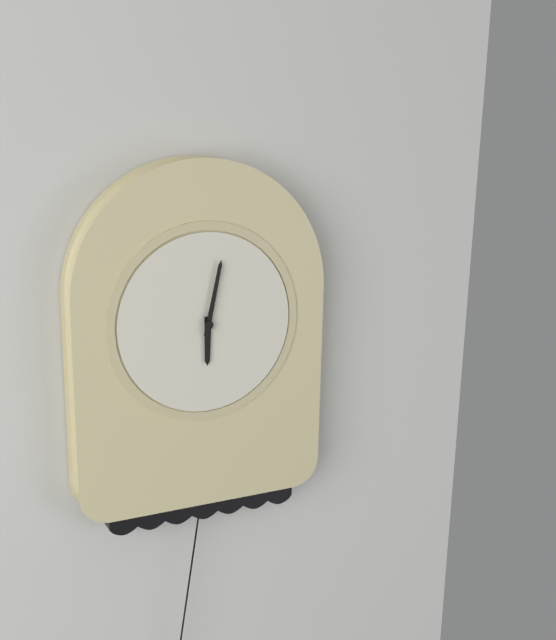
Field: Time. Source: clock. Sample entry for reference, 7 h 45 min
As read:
6 h 02 min
